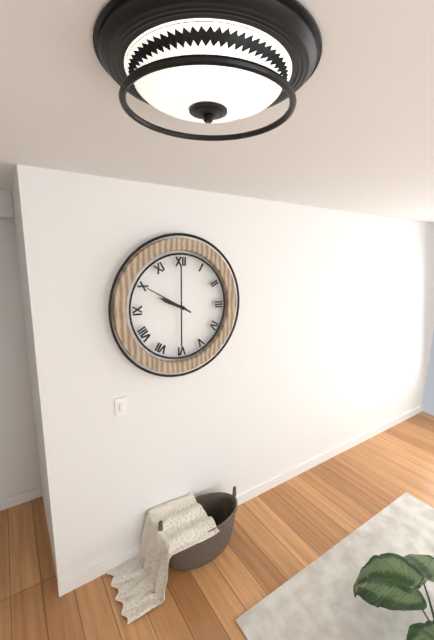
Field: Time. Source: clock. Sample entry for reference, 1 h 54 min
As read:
9 h 50 min
